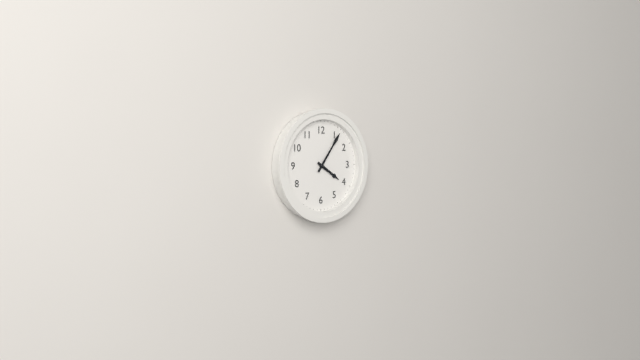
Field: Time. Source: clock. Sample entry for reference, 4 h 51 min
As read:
4 h 06 min
